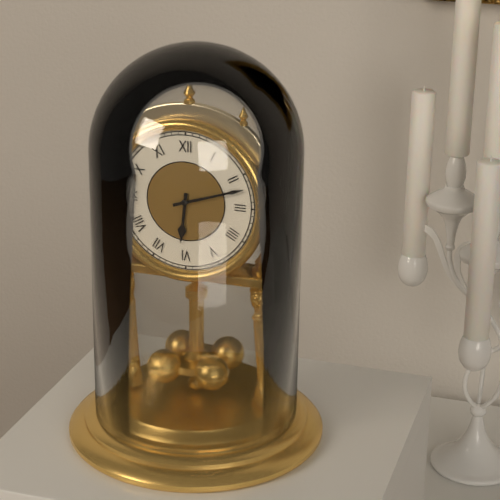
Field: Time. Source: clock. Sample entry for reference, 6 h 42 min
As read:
6 h 12 min
